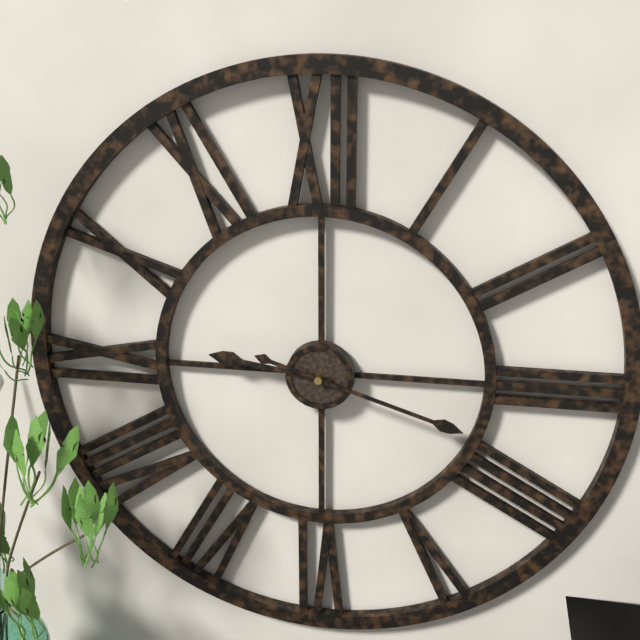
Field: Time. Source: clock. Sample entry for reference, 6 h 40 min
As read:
9 h 18 min
